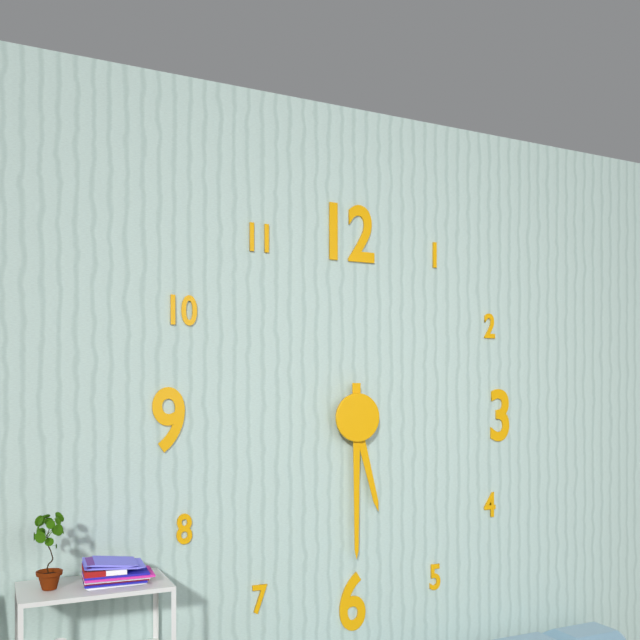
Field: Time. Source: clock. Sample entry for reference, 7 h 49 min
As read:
5 h 30 min
